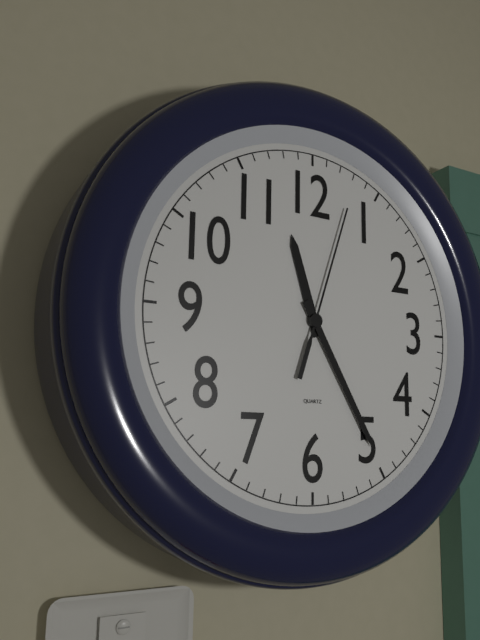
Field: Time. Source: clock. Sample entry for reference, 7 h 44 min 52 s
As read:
11 h 25 min 03 s
